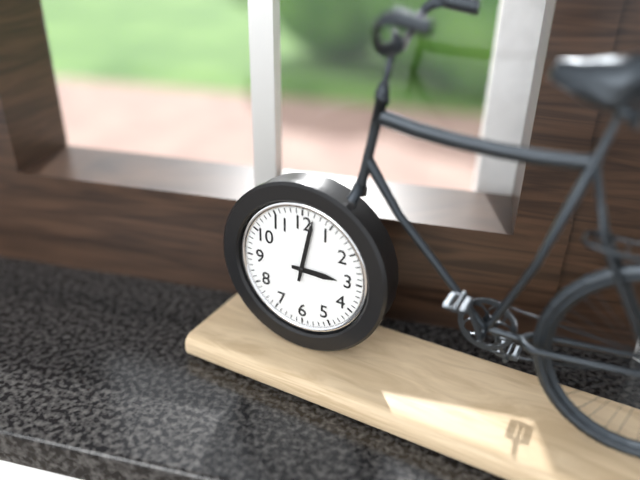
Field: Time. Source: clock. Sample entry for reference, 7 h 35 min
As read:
3 h 02 min
